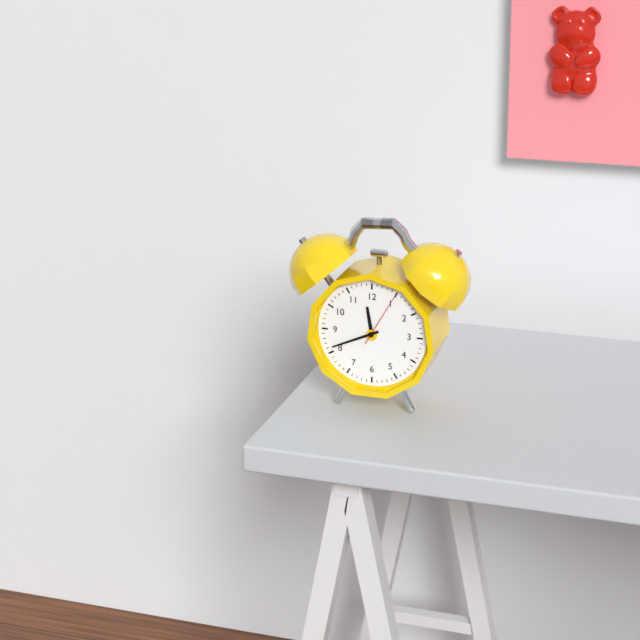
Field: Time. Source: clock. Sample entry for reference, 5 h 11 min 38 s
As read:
11 h 41 min 05 s
